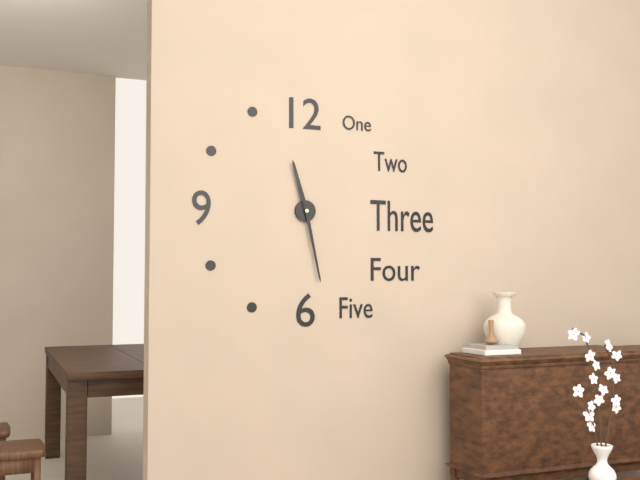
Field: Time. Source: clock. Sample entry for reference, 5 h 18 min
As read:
11 h 28 min
